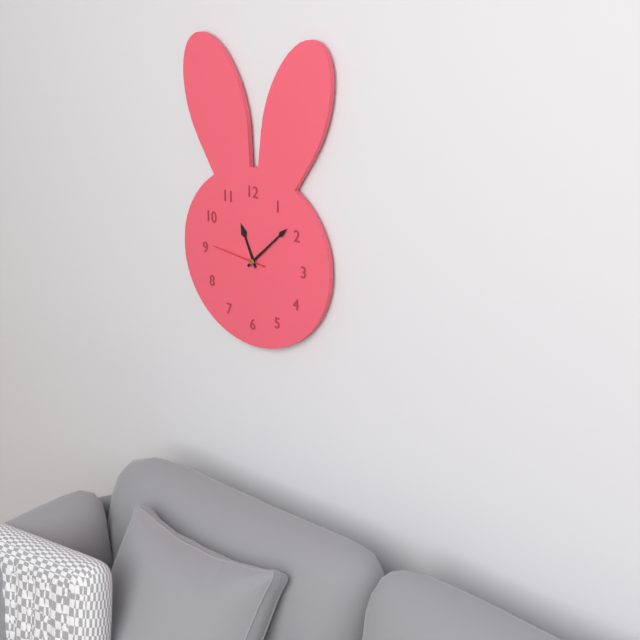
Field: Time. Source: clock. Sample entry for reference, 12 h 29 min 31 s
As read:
11 h 08 min 46 s
